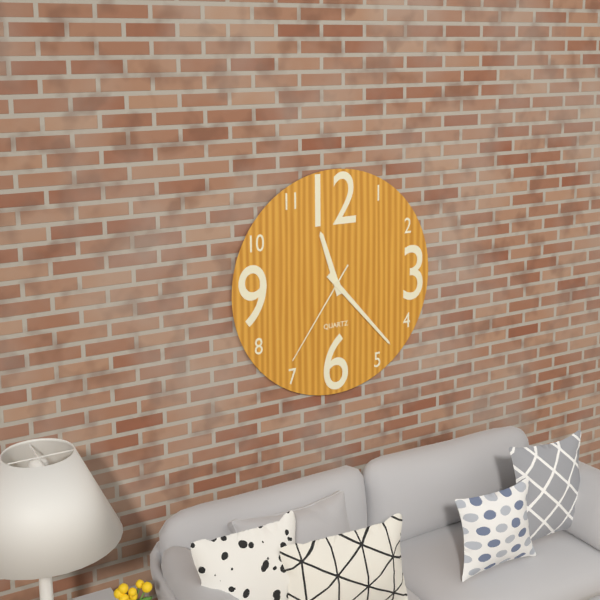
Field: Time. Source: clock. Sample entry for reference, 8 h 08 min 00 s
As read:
11 h 23 min 36 s
